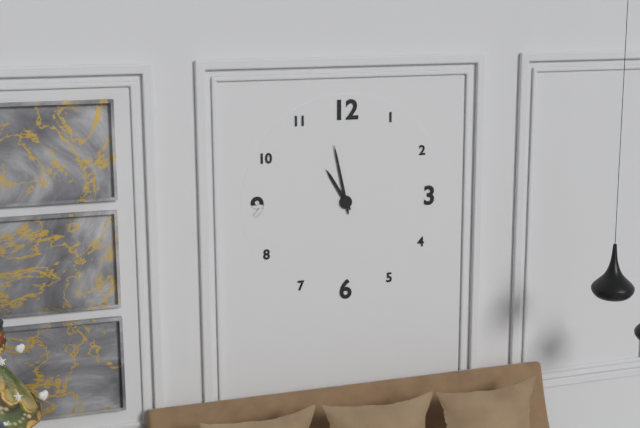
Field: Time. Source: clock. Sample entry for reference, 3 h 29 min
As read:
10 h 58 min
